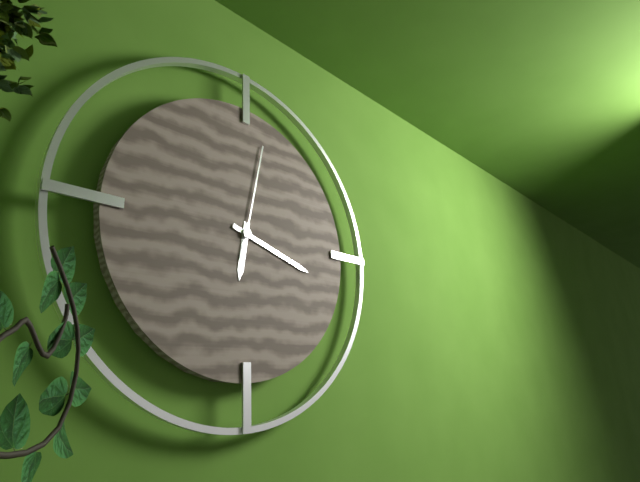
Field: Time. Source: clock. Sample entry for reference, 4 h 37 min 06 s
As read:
6 h 18 min 02 s
